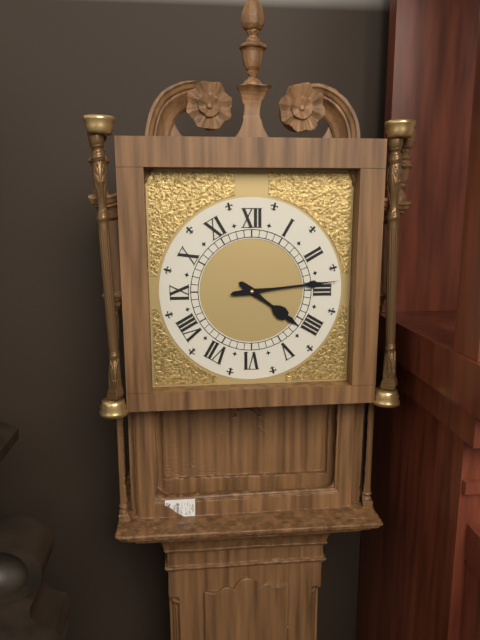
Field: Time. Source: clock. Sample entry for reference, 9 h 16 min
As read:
4 h 14 min
